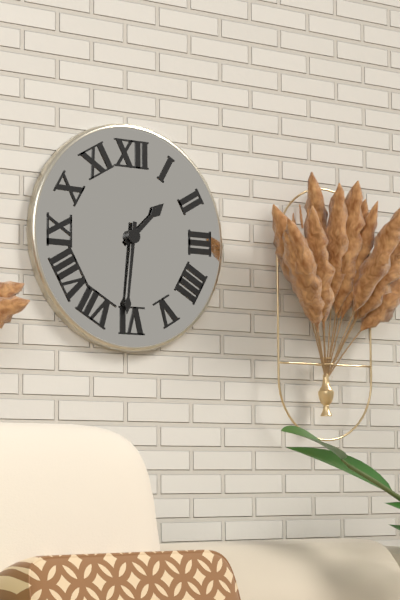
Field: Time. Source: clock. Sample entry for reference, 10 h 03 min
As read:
1 h 31 min
